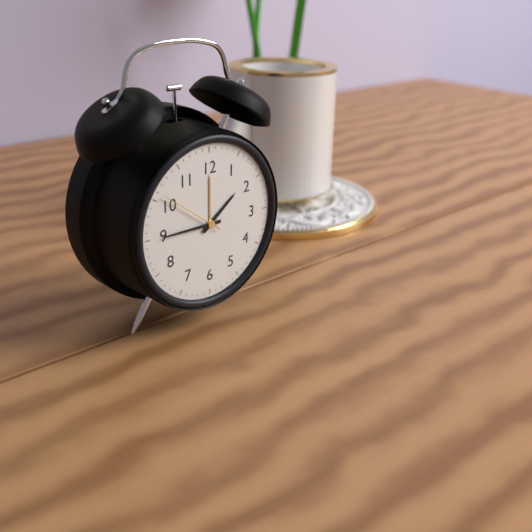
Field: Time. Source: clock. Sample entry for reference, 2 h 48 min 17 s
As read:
1 h 45 min 51 s
